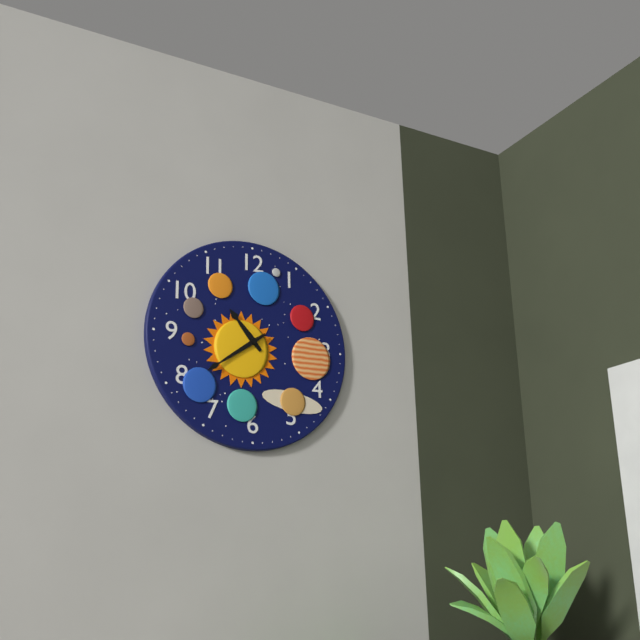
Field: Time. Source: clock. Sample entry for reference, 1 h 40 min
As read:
10 h 39 min
